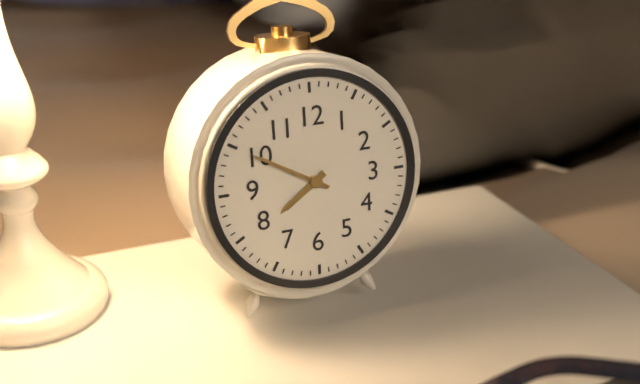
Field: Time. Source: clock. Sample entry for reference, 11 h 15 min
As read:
7 h 50 min
